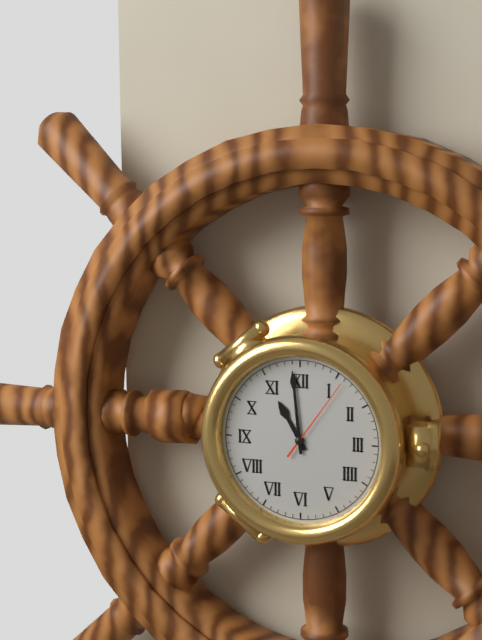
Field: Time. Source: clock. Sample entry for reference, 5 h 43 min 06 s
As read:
10 h 59 min 06 s
